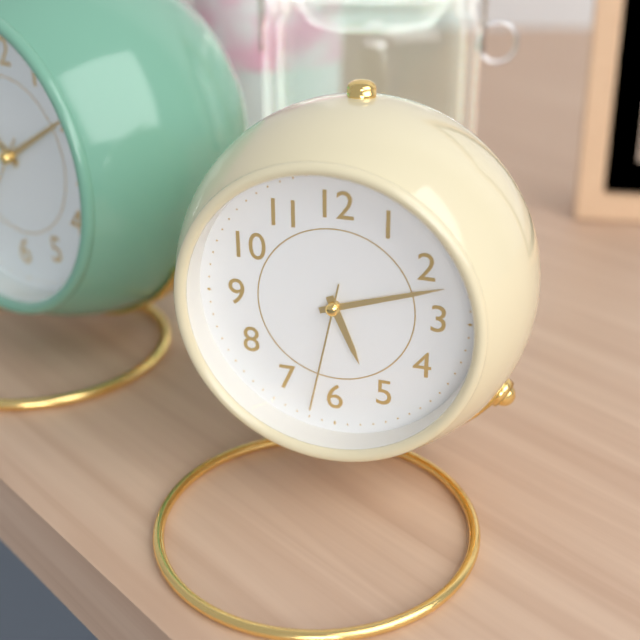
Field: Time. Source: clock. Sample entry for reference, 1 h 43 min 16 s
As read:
5 h 12 min 32 s
